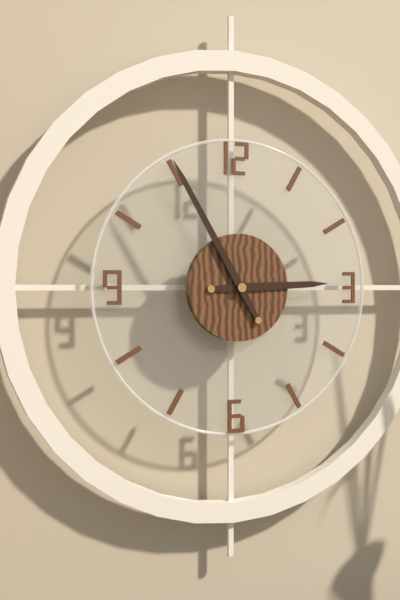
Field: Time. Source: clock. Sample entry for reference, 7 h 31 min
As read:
2 h 55 min
